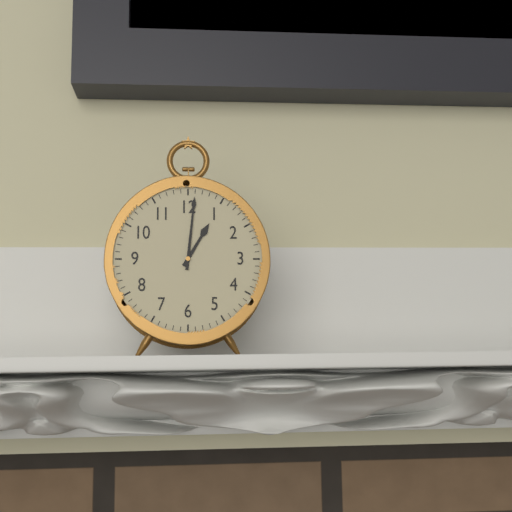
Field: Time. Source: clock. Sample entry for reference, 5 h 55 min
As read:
1 h 01 min
